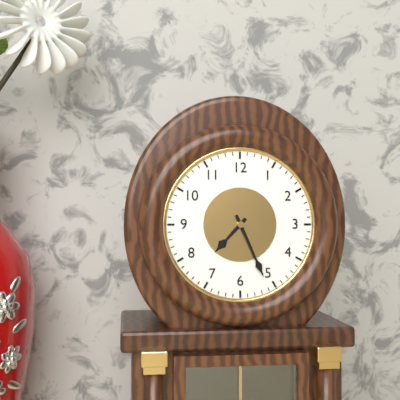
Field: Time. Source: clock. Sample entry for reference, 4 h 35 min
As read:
7 h 26 min
